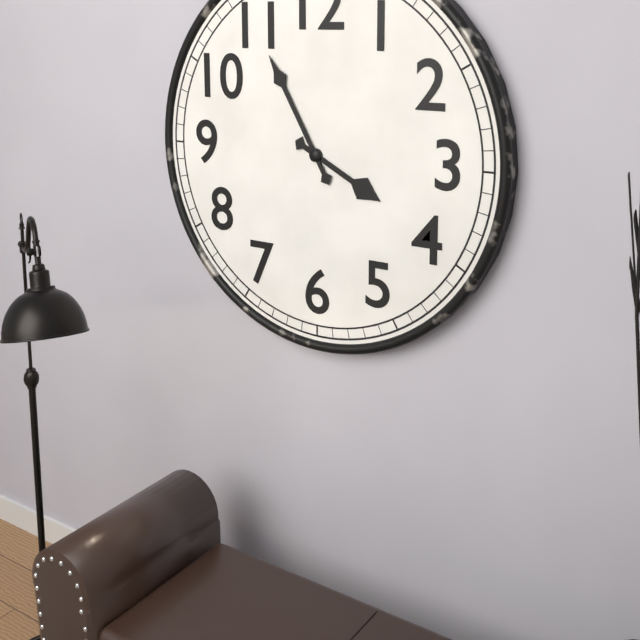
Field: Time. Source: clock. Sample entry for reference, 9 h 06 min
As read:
3 h 55 min
